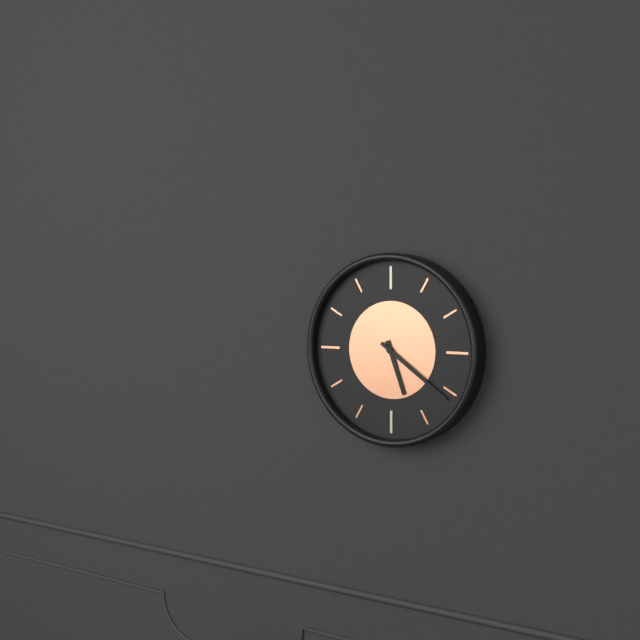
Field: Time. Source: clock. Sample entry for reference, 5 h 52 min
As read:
5 h 21 min
